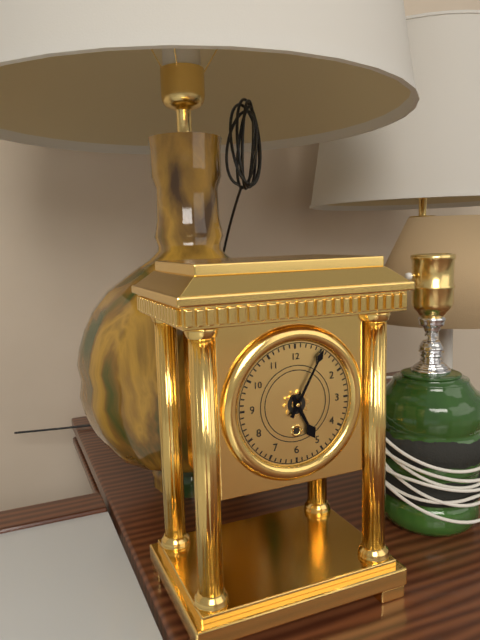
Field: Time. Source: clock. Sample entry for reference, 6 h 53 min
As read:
5 h 05 min
